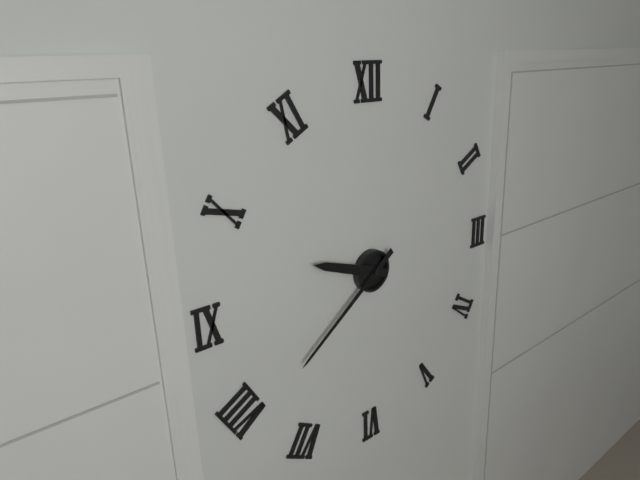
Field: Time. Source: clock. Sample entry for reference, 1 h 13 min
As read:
9 h 39 min
